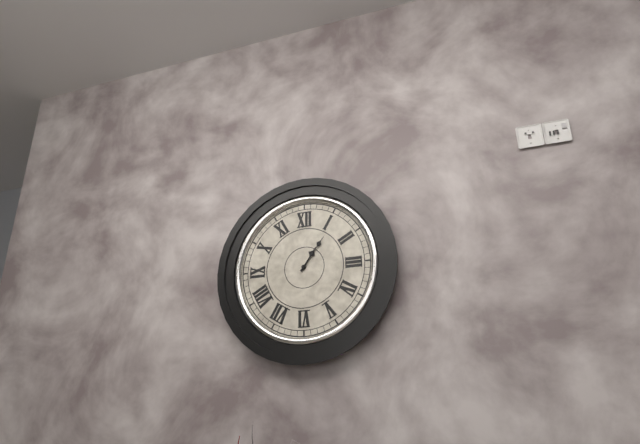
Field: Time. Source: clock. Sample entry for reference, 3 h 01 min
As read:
1 h 06 min
